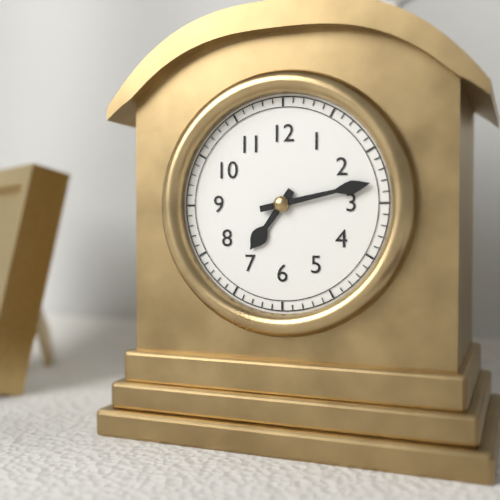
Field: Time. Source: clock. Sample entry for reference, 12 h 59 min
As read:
7 h 13 min
